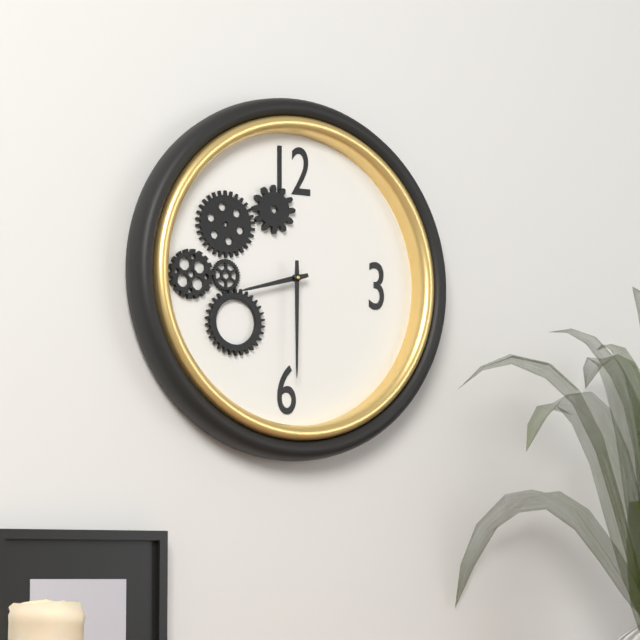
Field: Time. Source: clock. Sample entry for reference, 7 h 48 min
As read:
8 h 30 min
